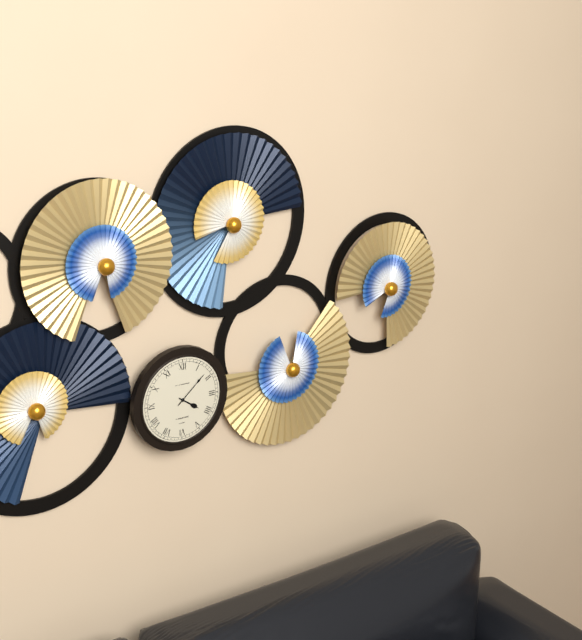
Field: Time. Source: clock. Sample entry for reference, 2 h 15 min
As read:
4 h 08 min
